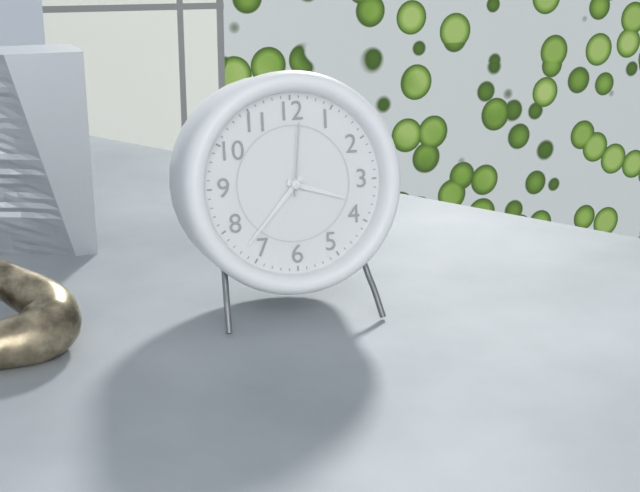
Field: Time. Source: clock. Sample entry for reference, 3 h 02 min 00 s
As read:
3 h 37 min 01 s
